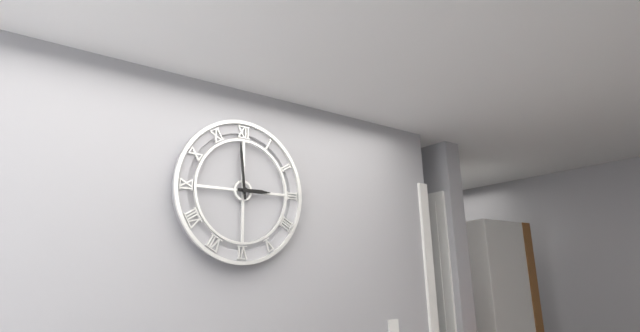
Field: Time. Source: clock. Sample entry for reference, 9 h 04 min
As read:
2 h 59 min
